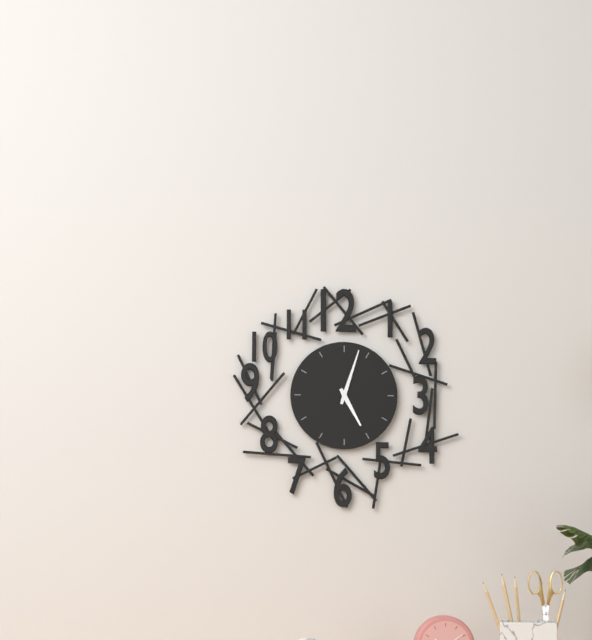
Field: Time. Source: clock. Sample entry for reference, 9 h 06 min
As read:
5 h 03 min
